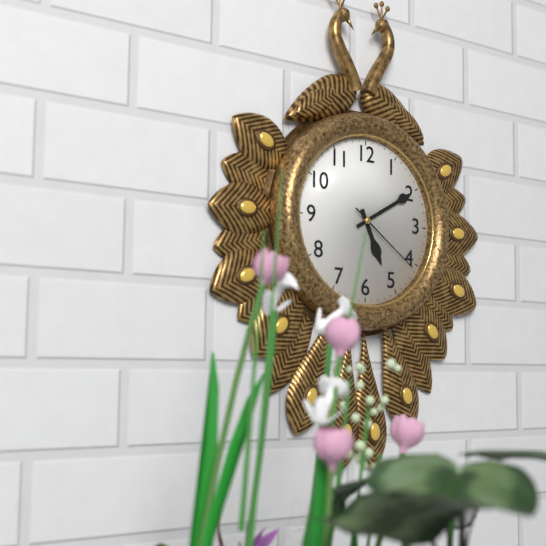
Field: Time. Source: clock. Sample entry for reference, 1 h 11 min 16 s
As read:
5 h 10 min 21 s
